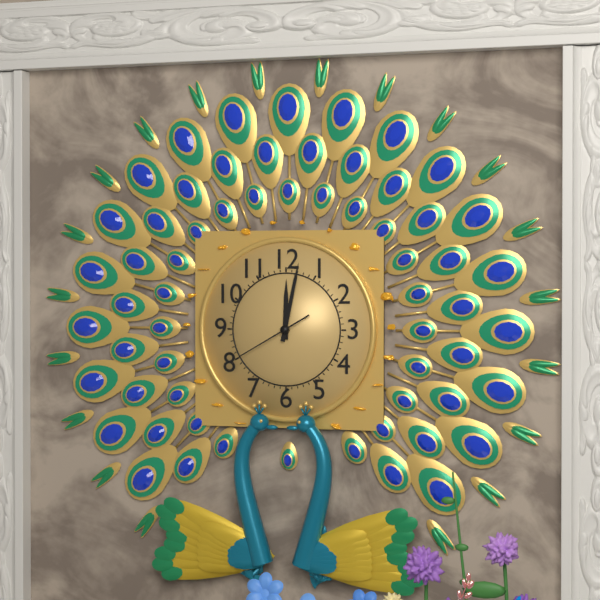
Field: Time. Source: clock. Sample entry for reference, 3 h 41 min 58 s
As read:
12 h 02 min 40 s
